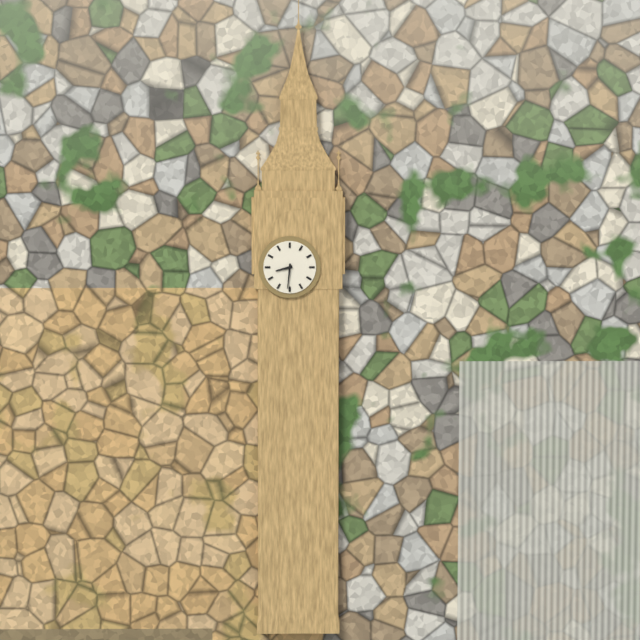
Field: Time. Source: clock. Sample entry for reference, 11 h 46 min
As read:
8 h 31 min
